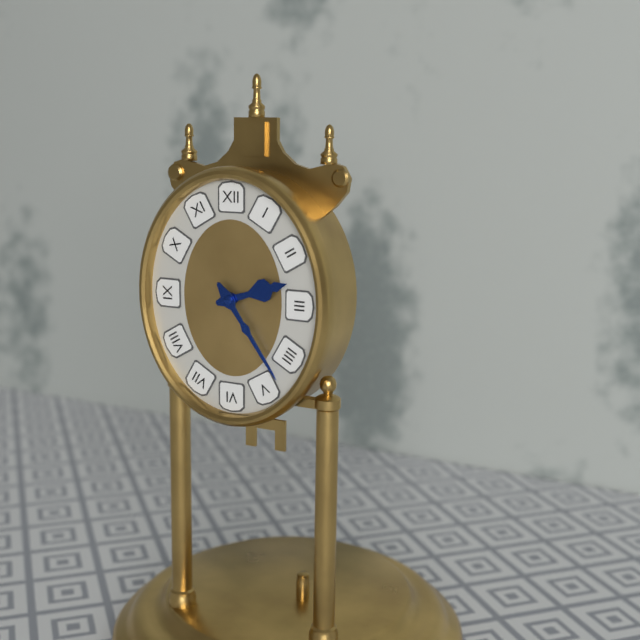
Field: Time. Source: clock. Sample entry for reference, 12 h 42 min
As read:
2 h 24 min
